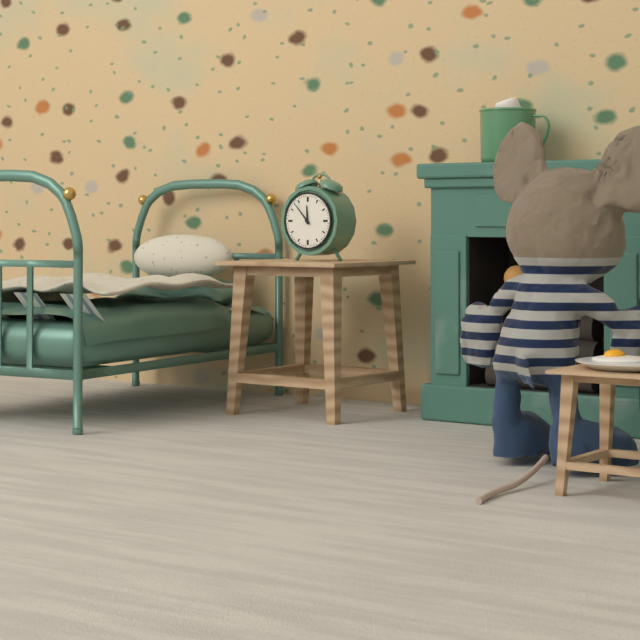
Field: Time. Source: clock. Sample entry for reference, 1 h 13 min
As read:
11 h 53 min
